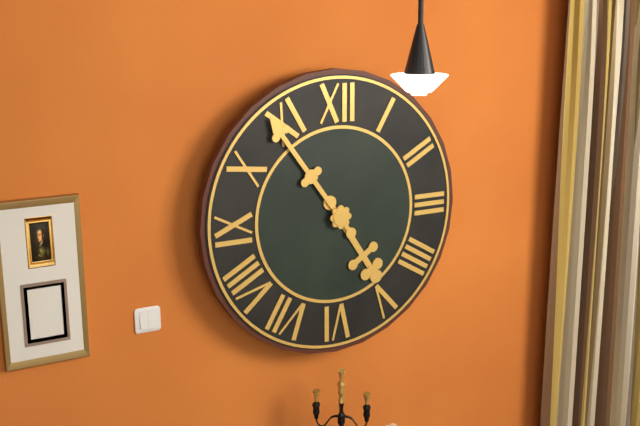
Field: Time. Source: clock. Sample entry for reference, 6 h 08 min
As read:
4 h 54 min
